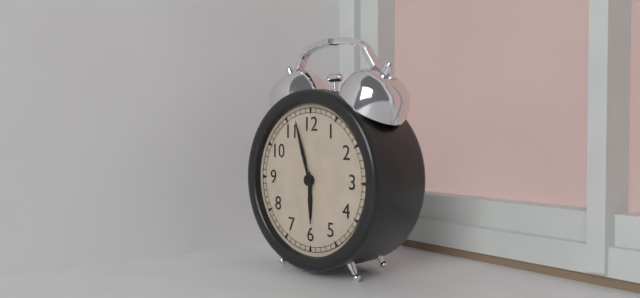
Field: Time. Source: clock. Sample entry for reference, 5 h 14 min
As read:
5 h 57 min
